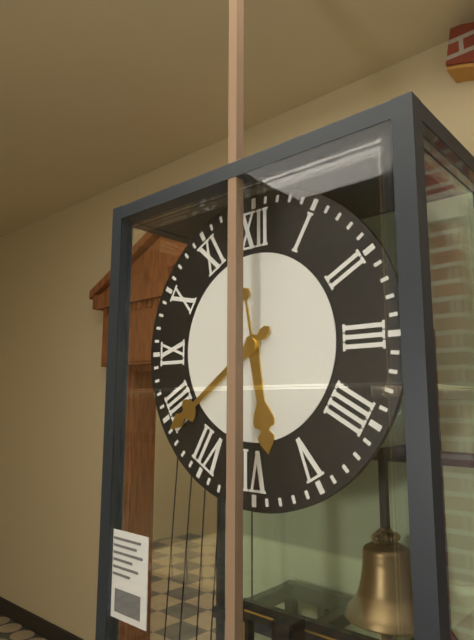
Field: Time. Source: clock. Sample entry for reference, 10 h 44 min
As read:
5 h 39 min
